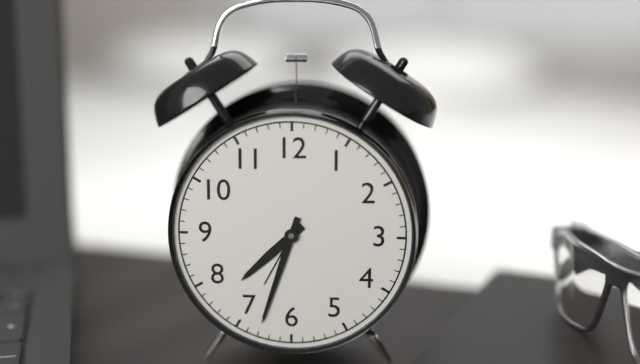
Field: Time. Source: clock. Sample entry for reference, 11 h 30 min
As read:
7 h 33 min
